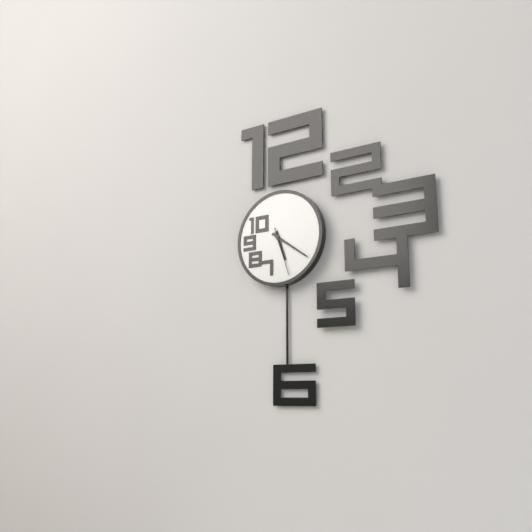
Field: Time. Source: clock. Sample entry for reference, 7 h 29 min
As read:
5 h 21 min
